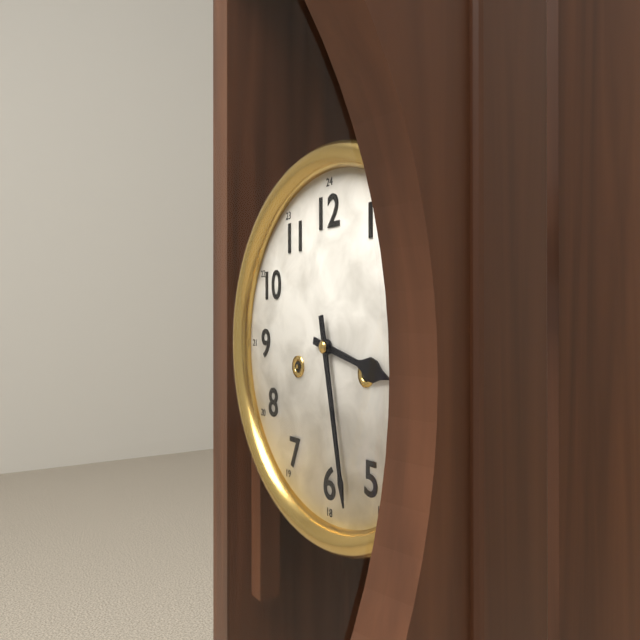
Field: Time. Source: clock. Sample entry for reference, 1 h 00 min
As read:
3 h 28 min
